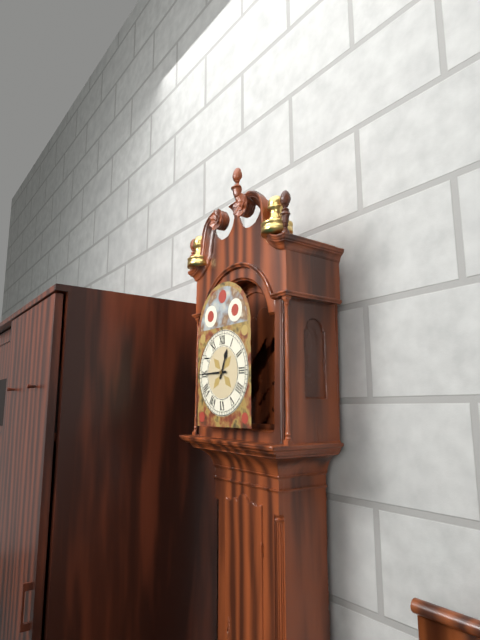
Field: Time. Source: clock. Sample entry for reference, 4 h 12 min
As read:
12 h 45 min
